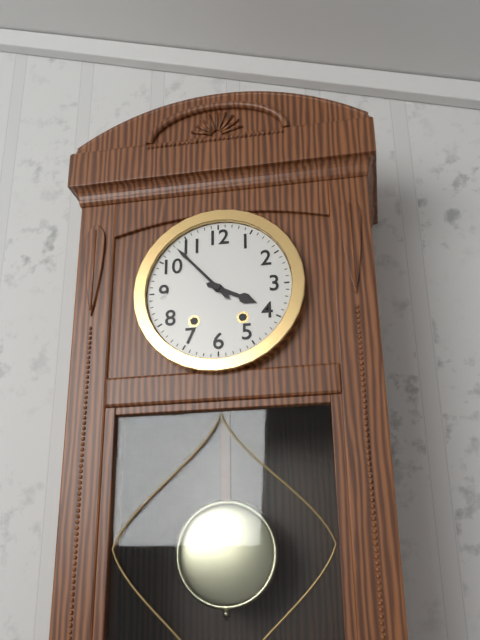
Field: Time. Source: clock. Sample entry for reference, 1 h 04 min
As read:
3 h 53 min
